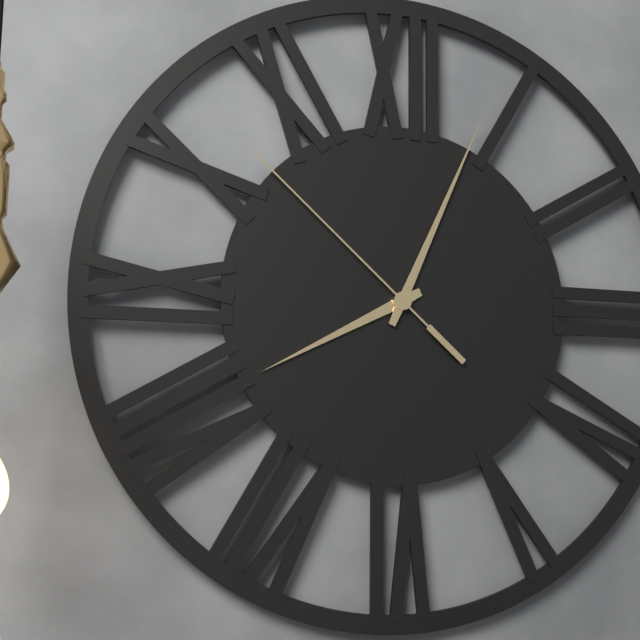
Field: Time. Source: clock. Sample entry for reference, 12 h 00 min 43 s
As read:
8 h 04 min 52 s
